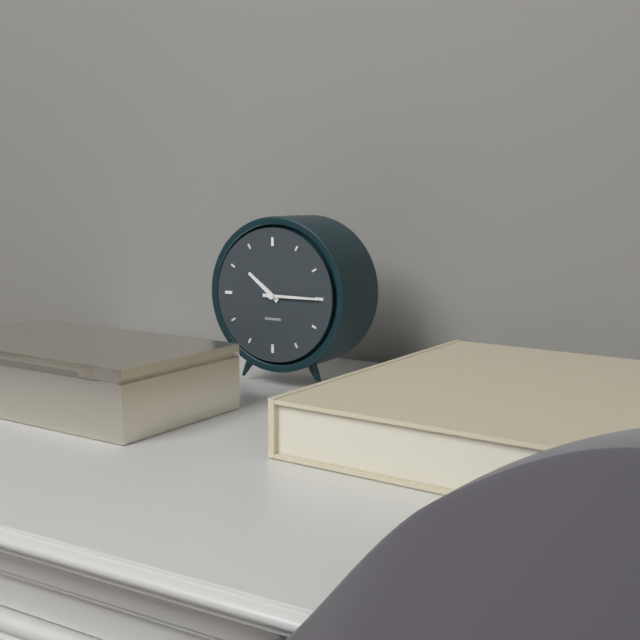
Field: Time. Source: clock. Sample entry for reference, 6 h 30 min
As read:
10 h 15 min
